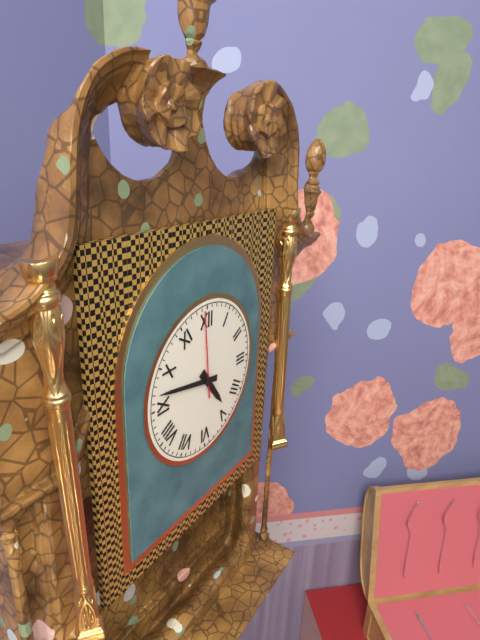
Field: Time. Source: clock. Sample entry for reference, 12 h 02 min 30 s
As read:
4 h 47 min 59 s
